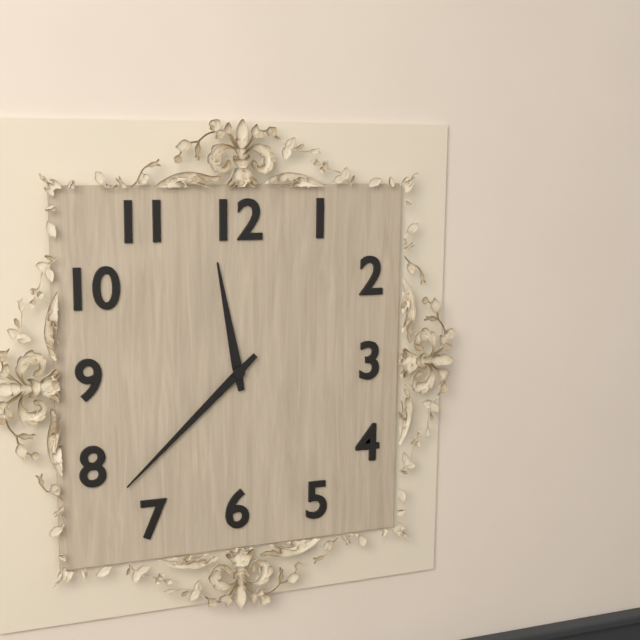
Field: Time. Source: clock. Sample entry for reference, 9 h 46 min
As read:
11 h 38 min
